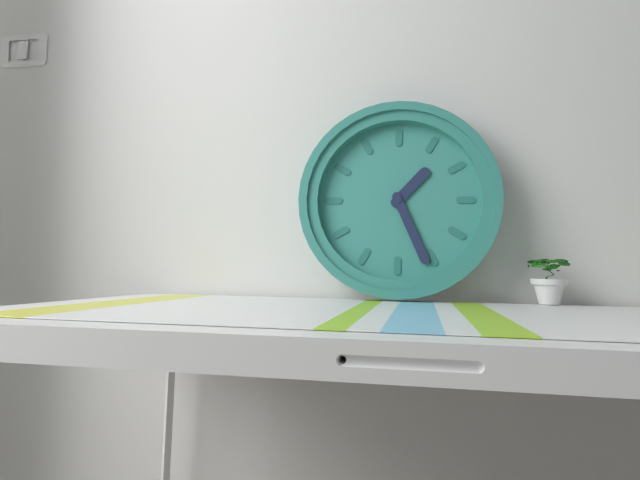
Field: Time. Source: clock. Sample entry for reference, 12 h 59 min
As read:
1 h 26 min
